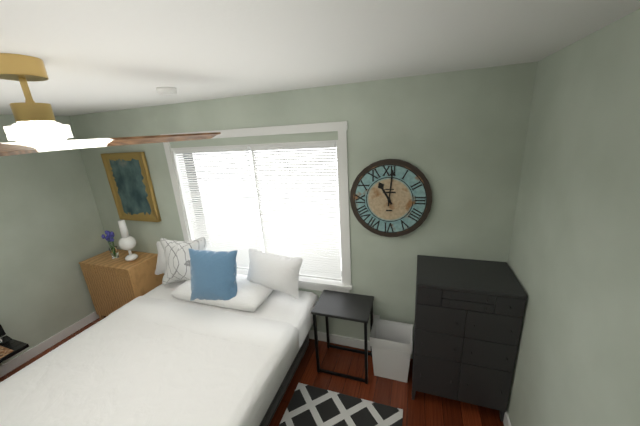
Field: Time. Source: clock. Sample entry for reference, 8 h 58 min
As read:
11 h 01 min
